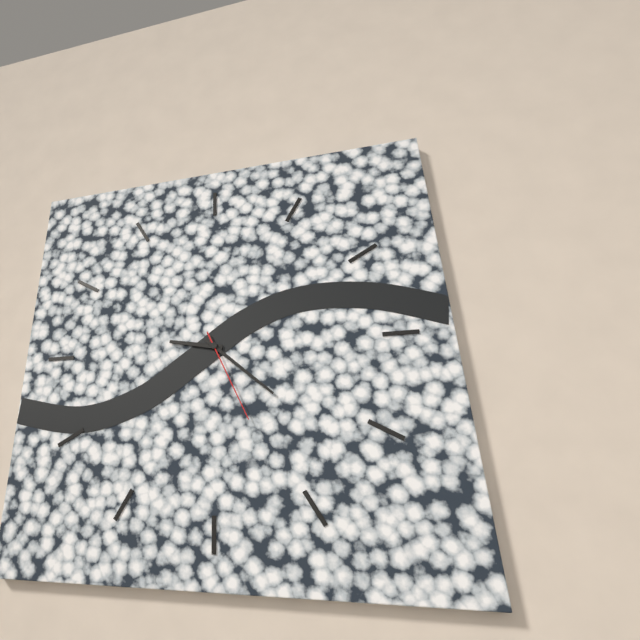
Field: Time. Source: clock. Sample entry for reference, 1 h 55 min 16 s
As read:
9 h 22 min 26 s
